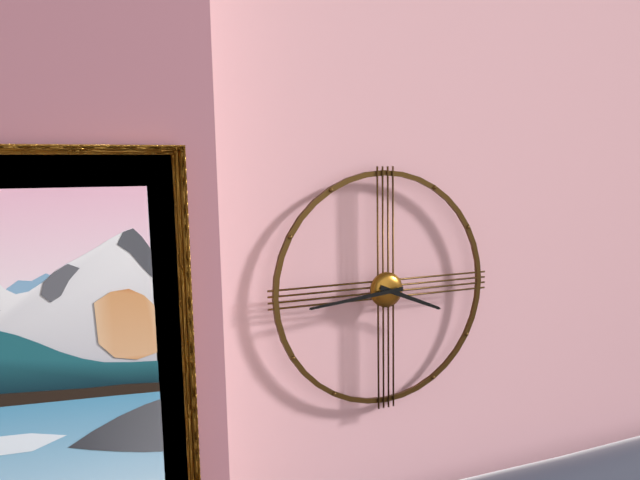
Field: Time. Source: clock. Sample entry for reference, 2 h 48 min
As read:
3 h 44 min
